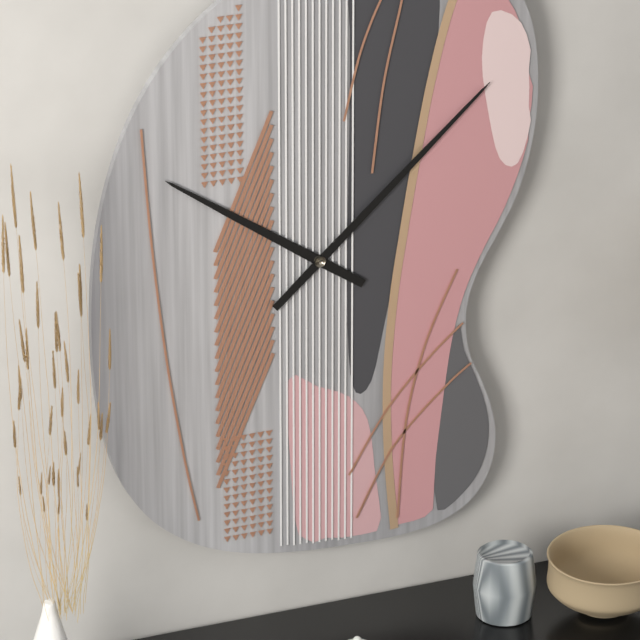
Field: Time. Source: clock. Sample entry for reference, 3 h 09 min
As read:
10 h 08 min
